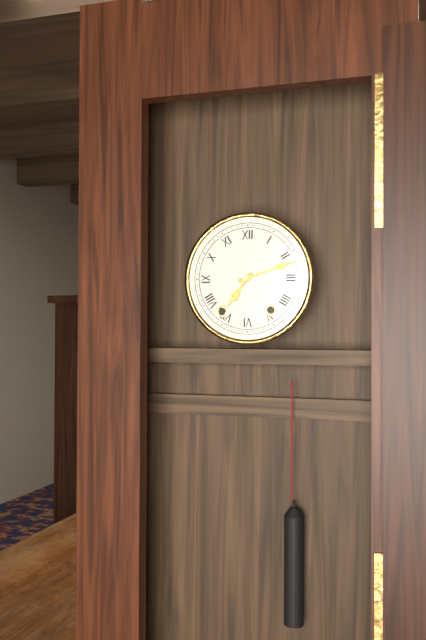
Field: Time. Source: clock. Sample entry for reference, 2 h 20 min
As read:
7 h 12 min
